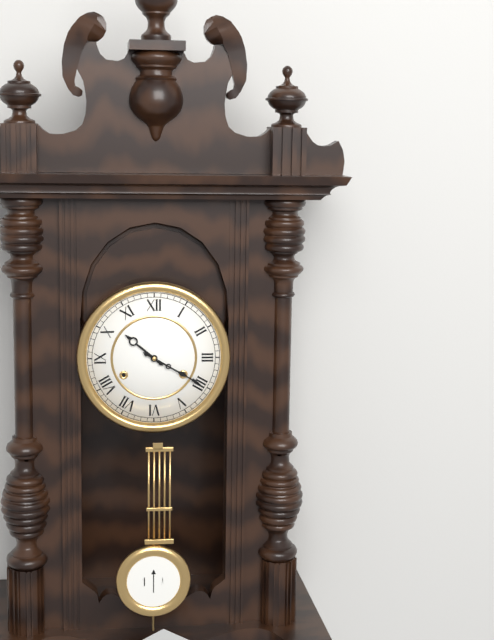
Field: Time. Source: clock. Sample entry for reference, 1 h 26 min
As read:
10 h 20 min
